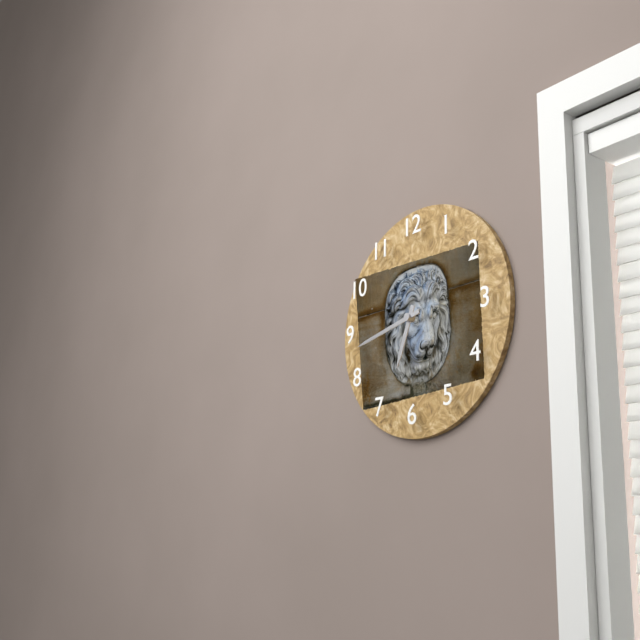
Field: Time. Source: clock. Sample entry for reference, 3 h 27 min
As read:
6 h 43 min
